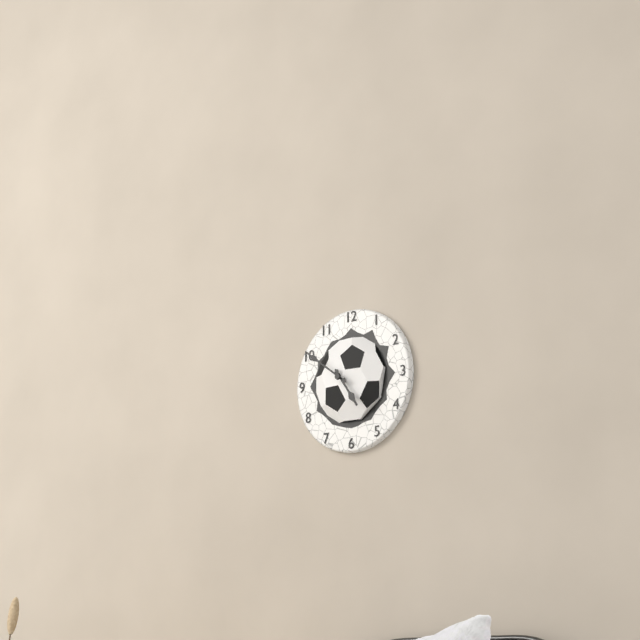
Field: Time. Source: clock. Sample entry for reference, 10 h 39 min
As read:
4 h 51 min
